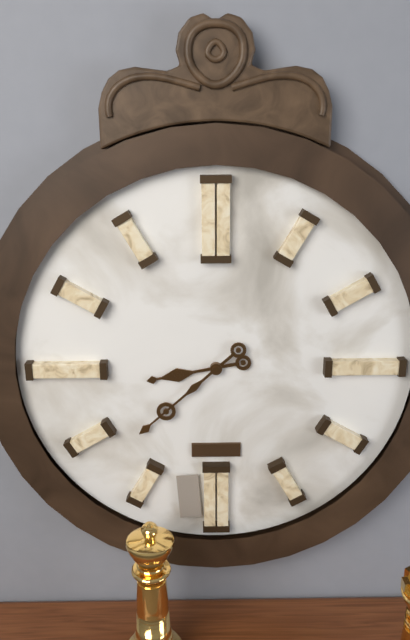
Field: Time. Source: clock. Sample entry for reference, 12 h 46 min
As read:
8 h 38 min
